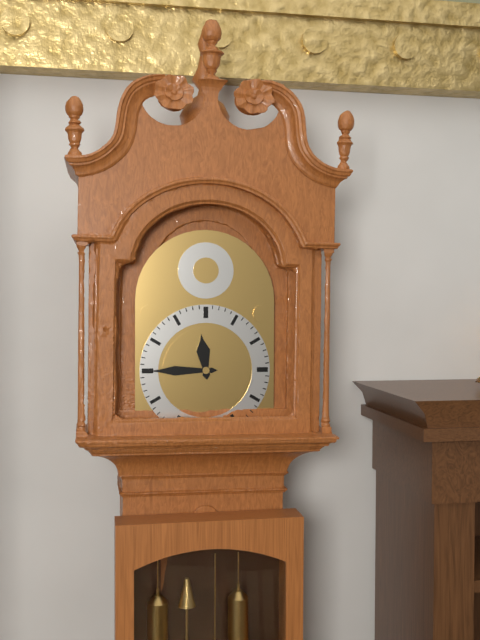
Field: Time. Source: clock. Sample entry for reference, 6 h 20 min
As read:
11 h 45 min
